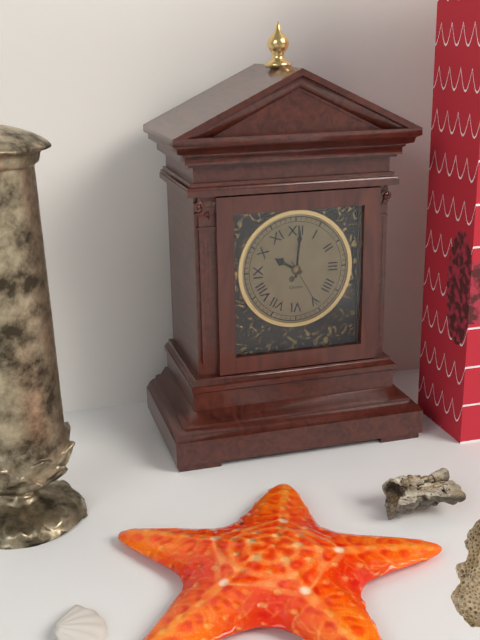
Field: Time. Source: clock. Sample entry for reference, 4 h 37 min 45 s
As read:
10 h 01 min 25 s
